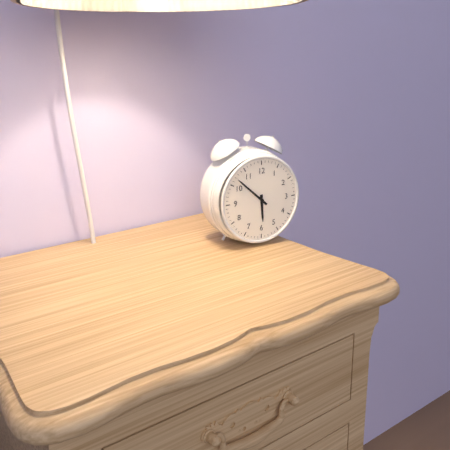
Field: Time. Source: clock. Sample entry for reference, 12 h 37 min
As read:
5 h 52 min
